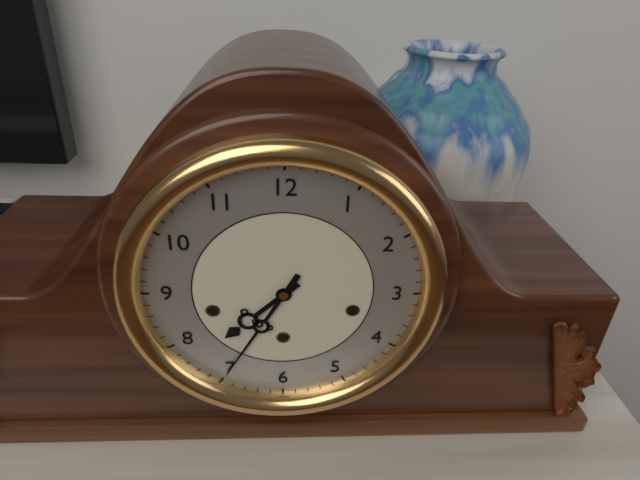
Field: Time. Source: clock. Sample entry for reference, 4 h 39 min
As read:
7 h 35 min
